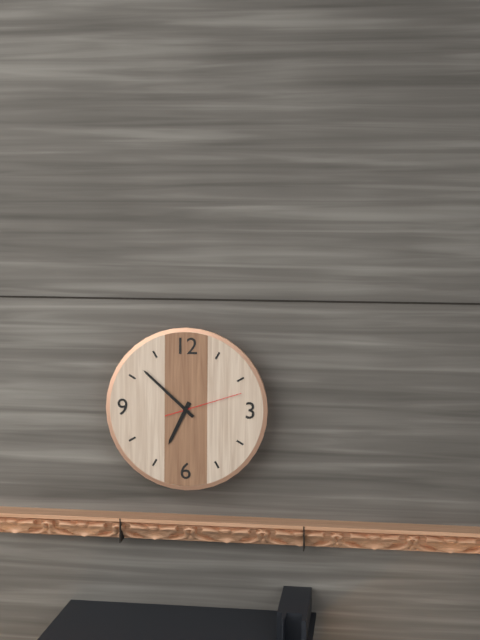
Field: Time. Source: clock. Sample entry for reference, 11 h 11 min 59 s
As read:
6 h 52 min 12 s
